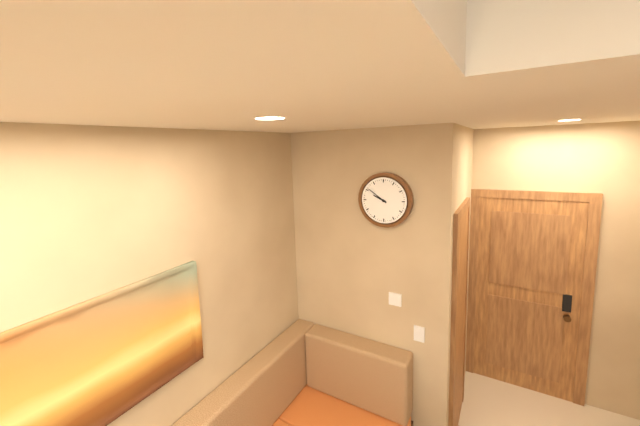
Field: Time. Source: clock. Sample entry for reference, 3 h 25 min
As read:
9 h 51 min
